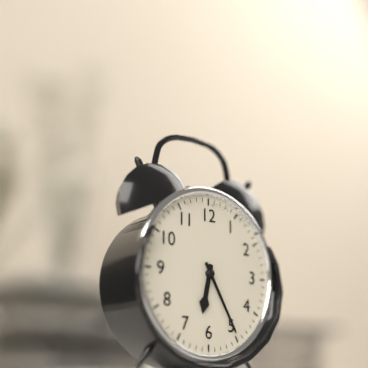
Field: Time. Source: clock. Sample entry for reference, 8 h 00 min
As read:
6 h 25 min
